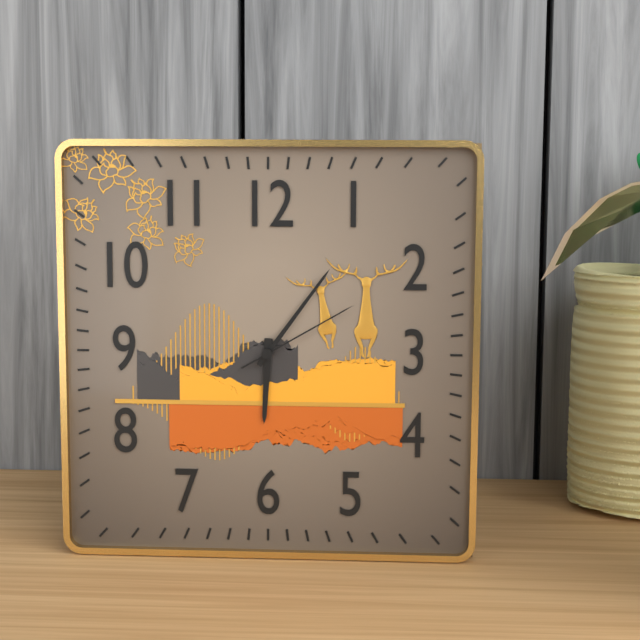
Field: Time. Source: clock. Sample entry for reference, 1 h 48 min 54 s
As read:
6 h 06 min 10 s
